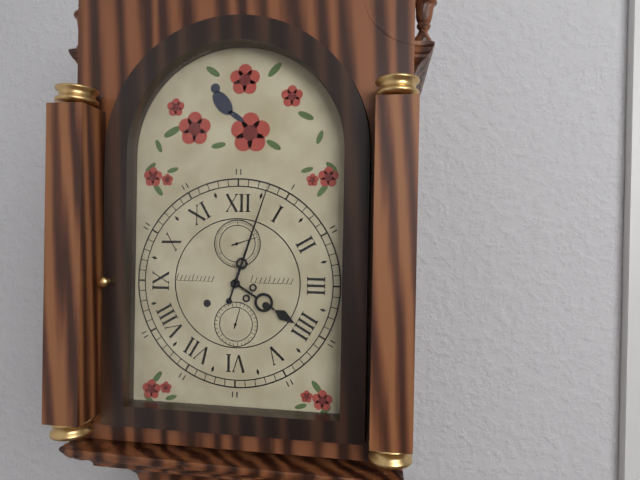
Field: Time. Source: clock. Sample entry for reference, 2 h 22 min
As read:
4 h 03 min
